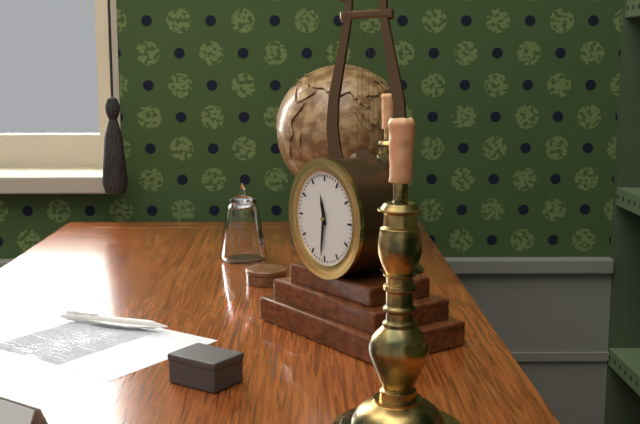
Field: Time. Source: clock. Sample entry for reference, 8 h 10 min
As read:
11 h 31 min
